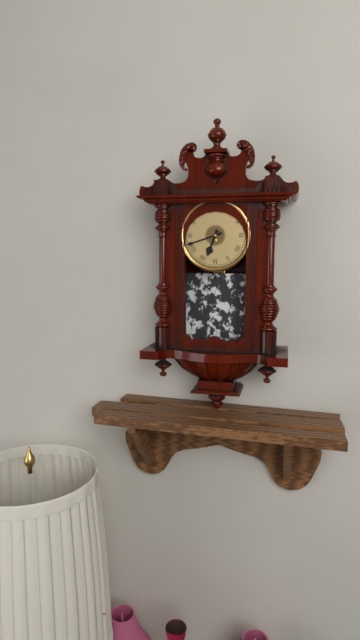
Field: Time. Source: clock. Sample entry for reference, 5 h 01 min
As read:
6 h 42 min
